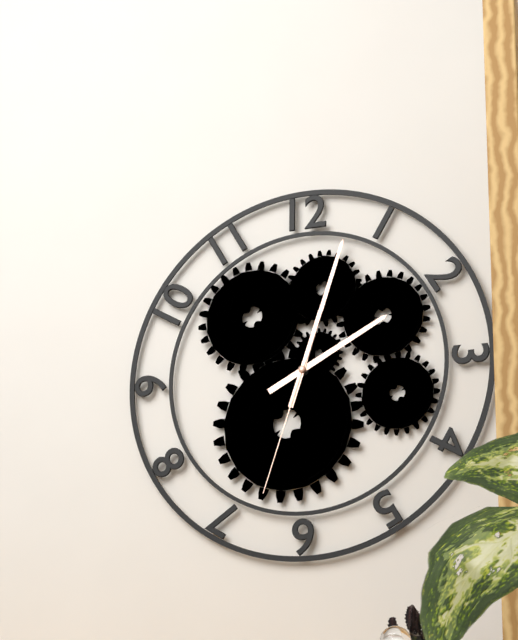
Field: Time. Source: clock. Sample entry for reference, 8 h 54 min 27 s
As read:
2 h 03 min 33 s
